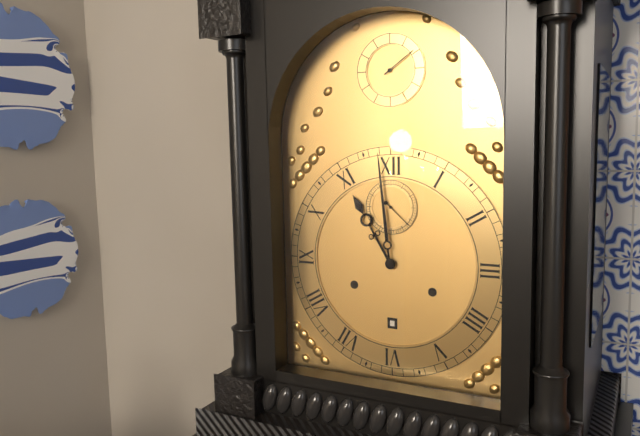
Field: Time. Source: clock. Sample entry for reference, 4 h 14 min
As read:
10 h 59 min
